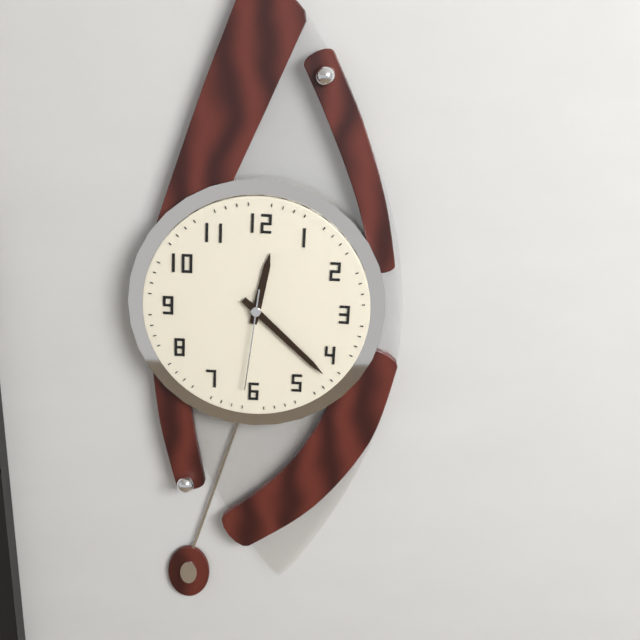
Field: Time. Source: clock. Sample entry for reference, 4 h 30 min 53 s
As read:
12 h 22 min 31 s
